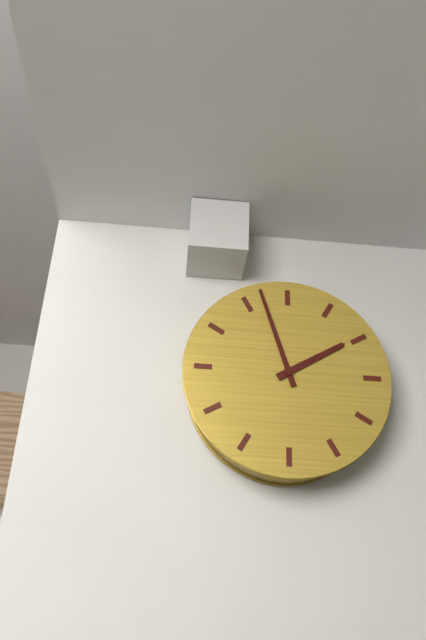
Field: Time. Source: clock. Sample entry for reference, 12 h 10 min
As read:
1 h 57 min
